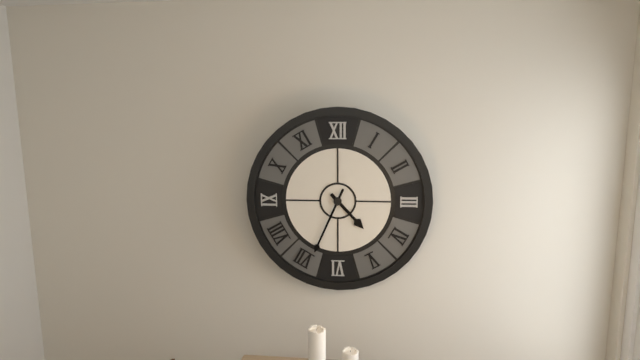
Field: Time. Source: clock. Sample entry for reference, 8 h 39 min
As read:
4 h 34 min
